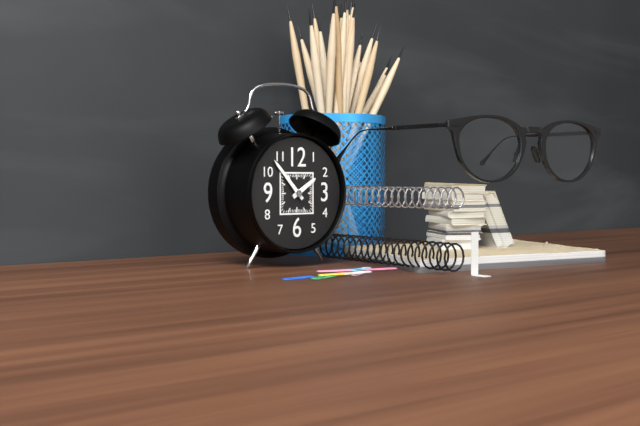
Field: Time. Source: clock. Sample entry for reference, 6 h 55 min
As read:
1 h 53 min
